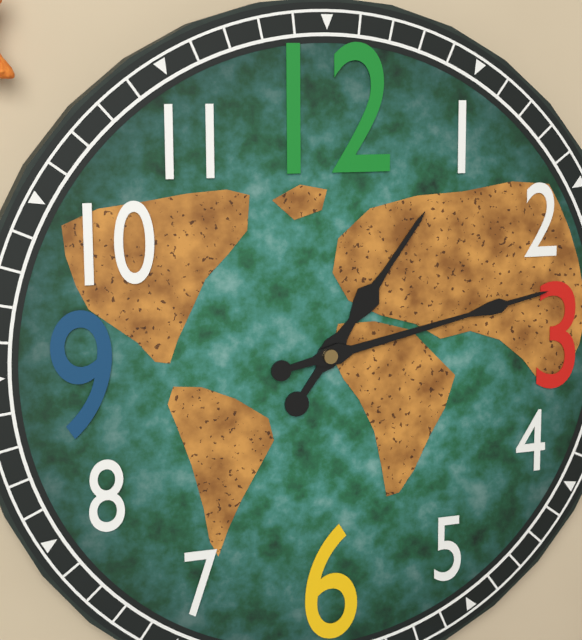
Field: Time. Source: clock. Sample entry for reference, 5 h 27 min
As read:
1 h 13 min
